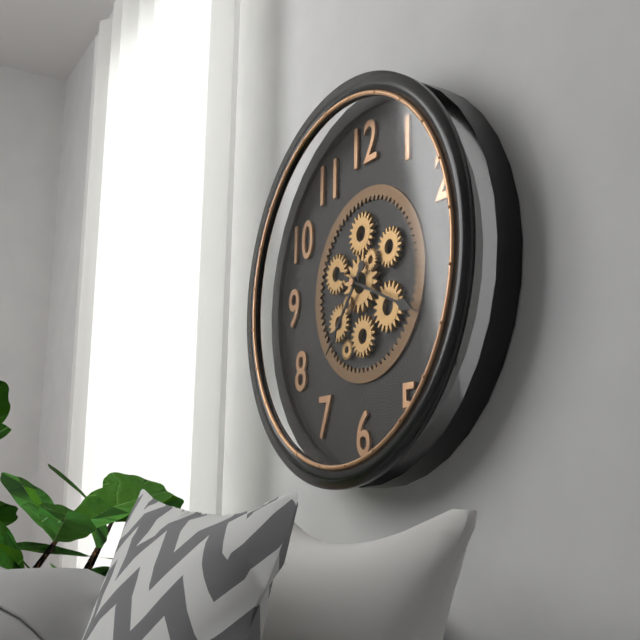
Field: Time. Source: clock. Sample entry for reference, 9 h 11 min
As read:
7 h 19 min
